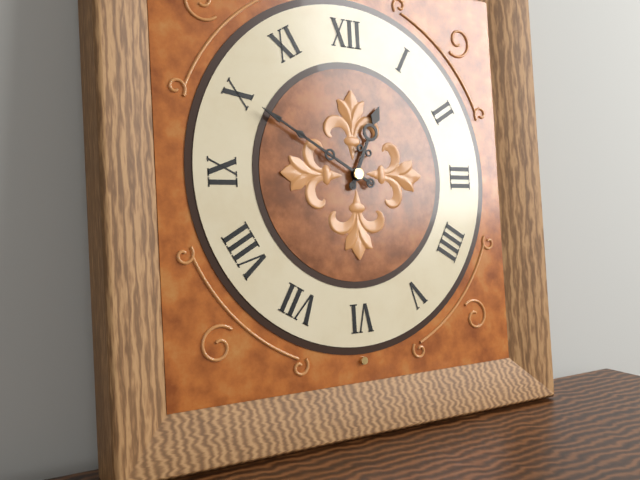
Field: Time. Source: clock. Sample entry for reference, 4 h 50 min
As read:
12 h 50 min
